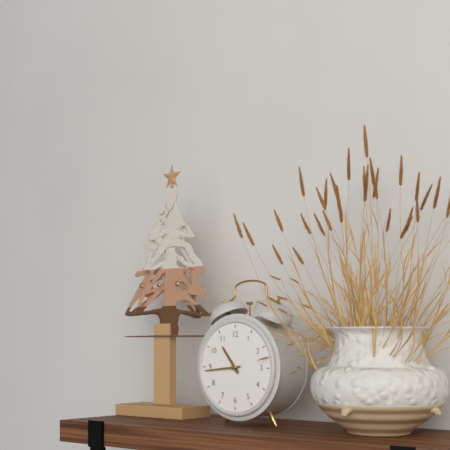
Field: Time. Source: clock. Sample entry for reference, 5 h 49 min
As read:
10 h 44 min
